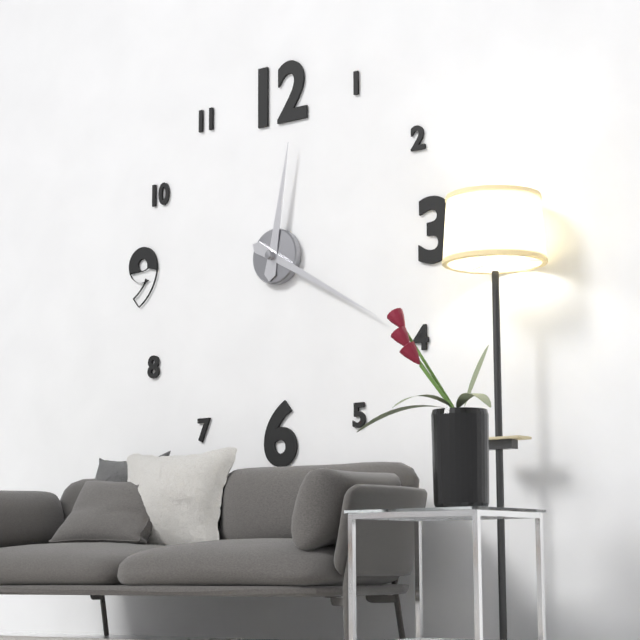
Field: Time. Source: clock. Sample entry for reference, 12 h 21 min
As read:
12 h 20 min
